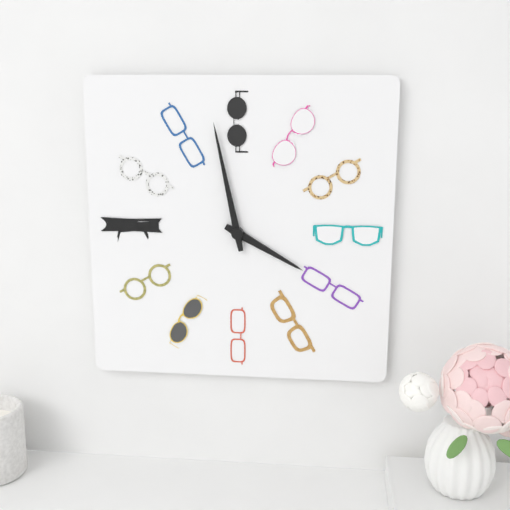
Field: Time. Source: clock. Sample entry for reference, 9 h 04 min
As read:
3 h 58 min
